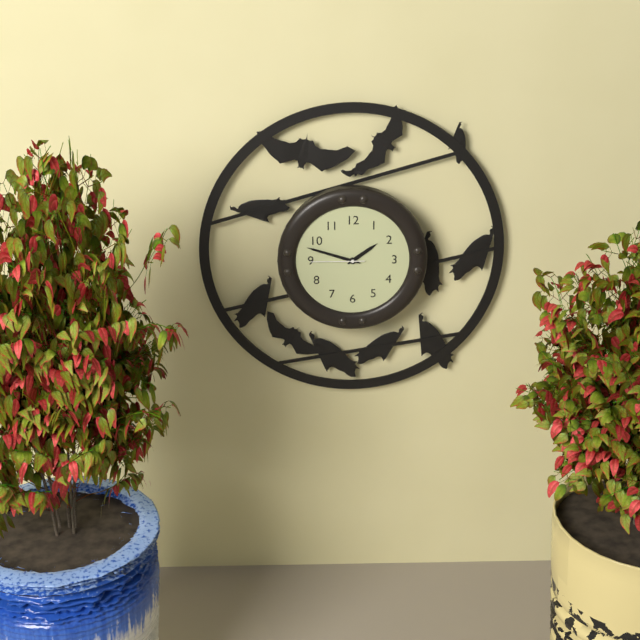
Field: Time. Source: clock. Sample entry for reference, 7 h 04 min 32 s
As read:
1 h 48 min 45 s
